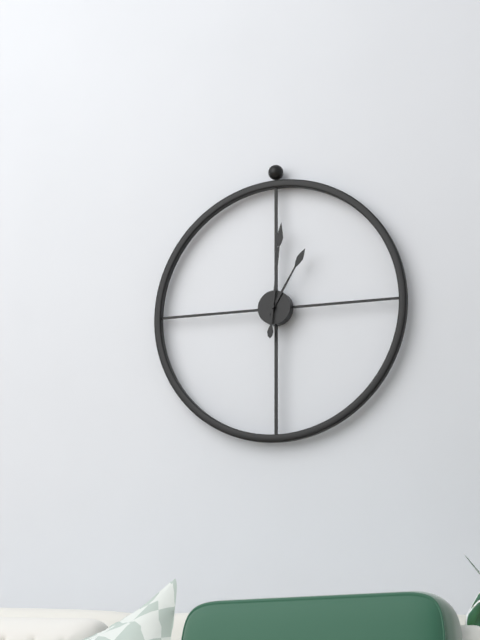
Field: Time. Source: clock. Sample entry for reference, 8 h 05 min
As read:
1 h 01 min
